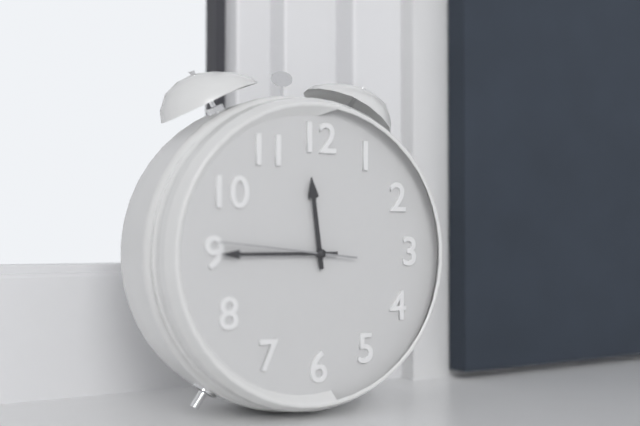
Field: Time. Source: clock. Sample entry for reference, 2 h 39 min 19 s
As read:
11 h 45 min 46 s
